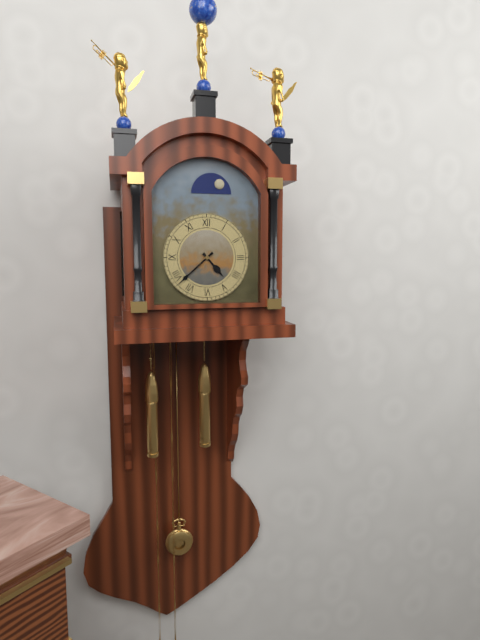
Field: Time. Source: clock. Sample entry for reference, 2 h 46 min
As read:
4 h 38 min
